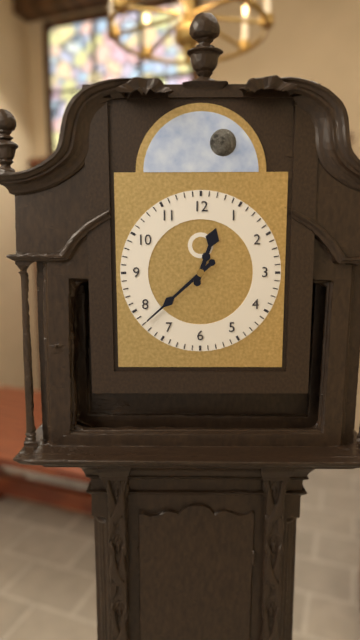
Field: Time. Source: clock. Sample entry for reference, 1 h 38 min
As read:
12 h 38 min
